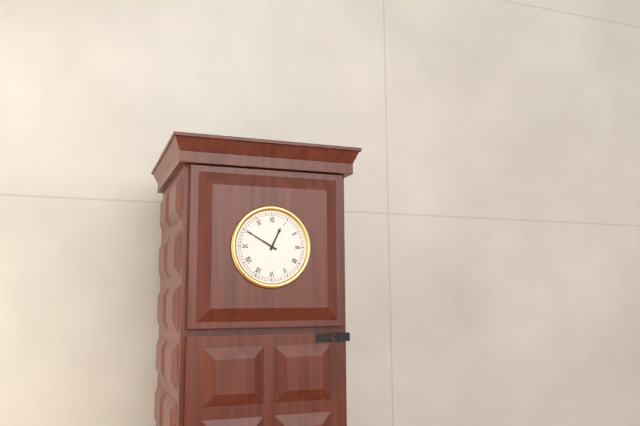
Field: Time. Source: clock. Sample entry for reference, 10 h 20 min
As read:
12 h 50 min
